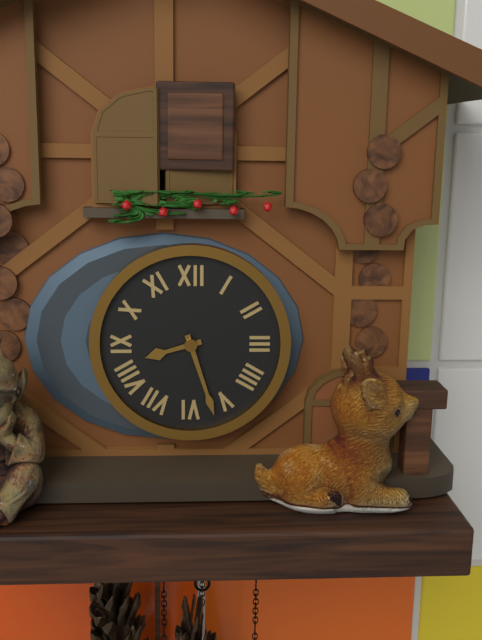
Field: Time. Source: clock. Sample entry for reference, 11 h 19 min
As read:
8 h 27 min
